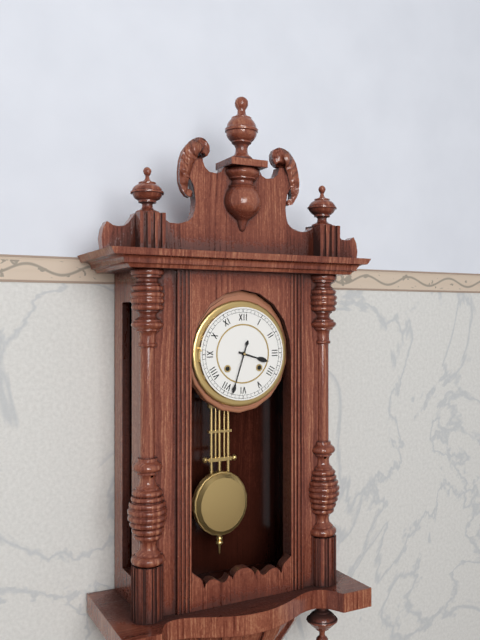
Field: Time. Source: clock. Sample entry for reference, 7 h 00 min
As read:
3 h 33 min
